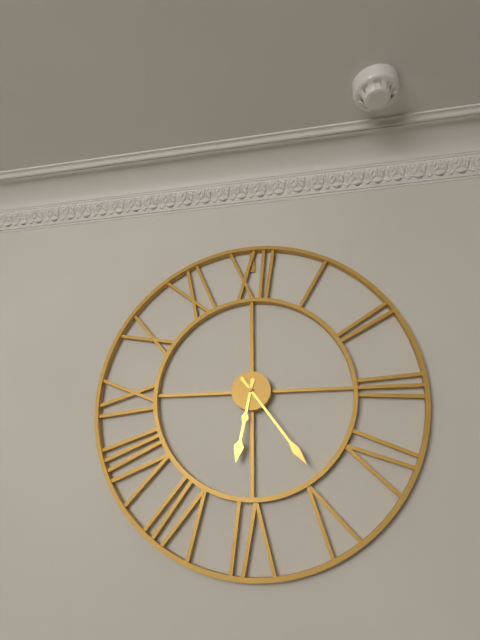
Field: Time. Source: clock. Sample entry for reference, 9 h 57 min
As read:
6 h 24 min
